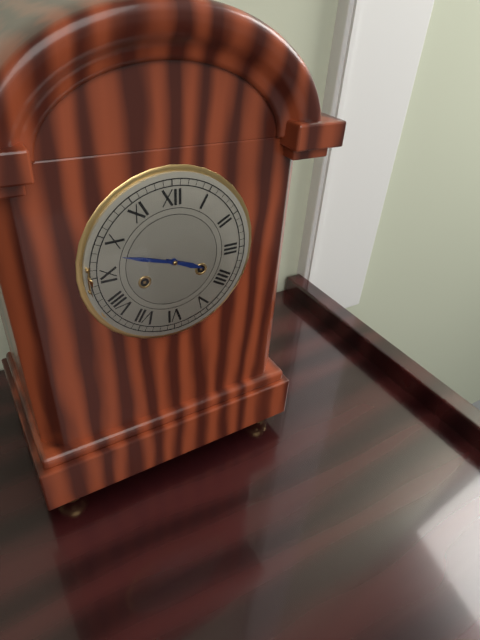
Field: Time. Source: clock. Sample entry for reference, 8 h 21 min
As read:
3 h 48 min
